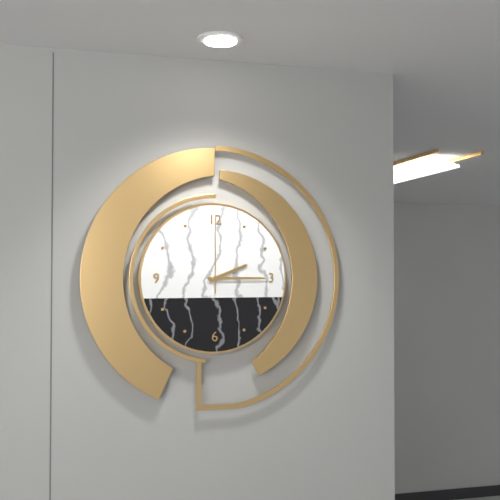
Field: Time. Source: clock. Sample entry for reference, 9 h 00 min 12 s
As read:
2 h 15 min 00 s
